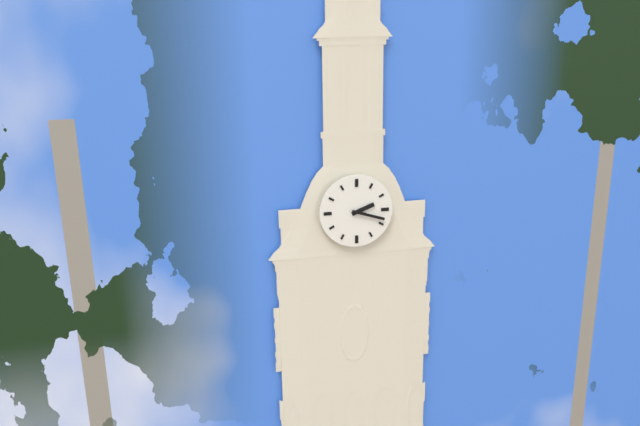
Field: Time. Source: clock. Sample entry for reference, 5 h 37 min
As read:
2 h 18 min
